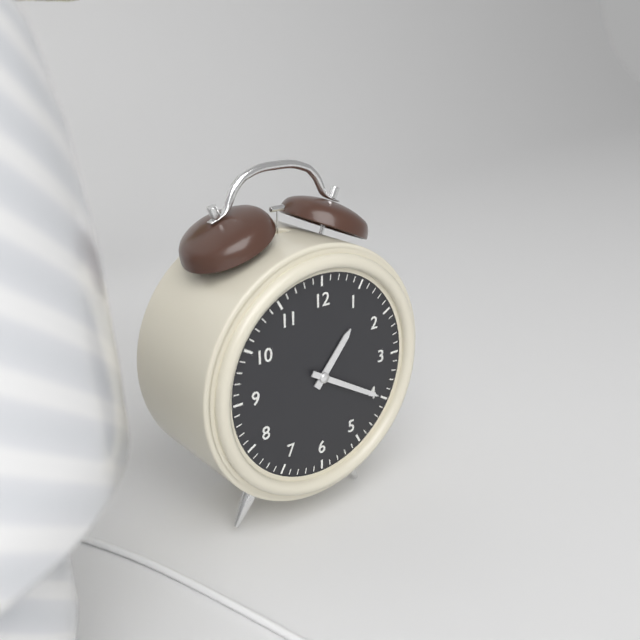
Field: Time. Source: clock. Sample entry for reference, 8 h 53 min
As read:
1 h 20 min
